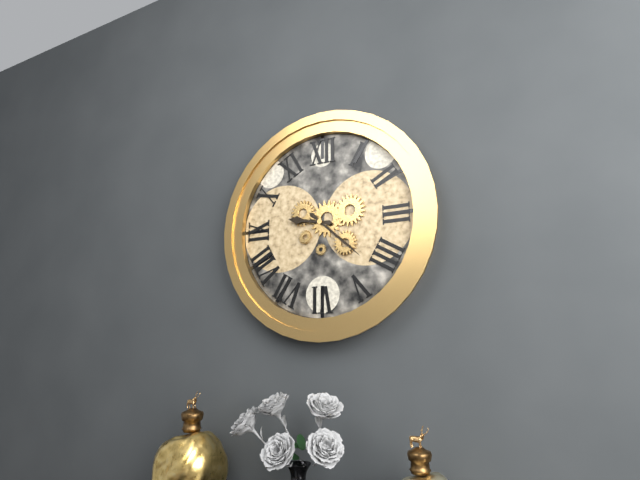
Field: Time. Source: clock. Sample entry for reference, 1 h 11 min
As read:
9 h 22 min
